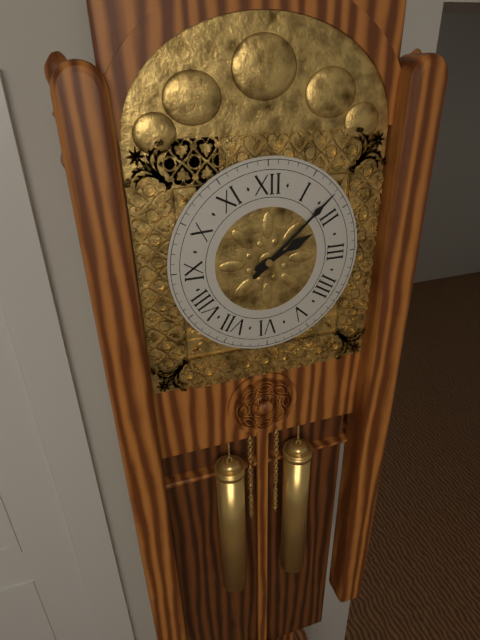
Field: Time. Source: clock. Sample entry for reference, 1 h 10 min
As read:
2 h 08 min
